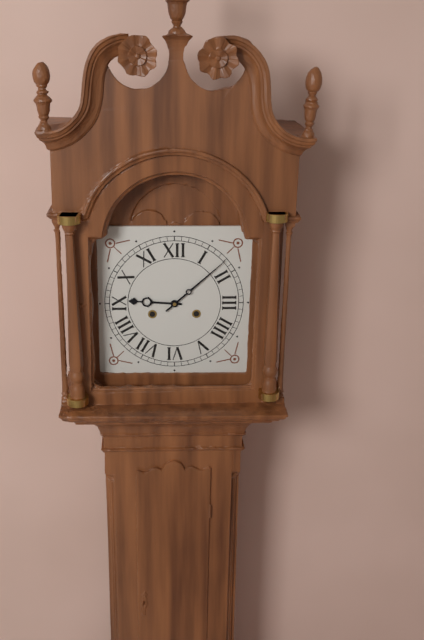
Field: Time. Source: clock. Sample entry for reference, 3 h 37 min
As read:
9 h 08 min
